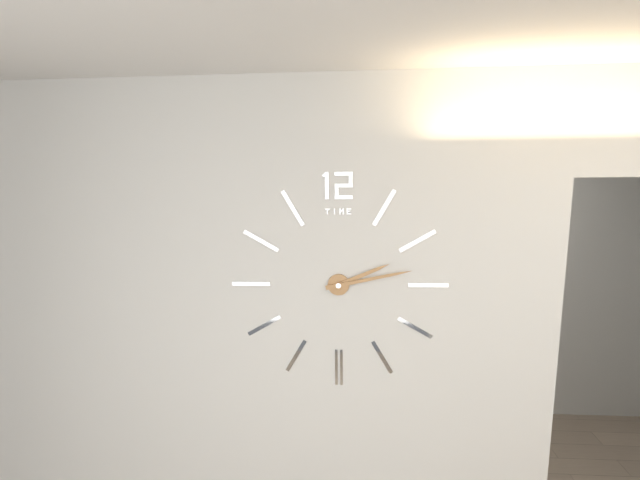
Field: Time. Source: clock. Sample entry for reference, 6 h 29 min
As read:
2 h 13 min
